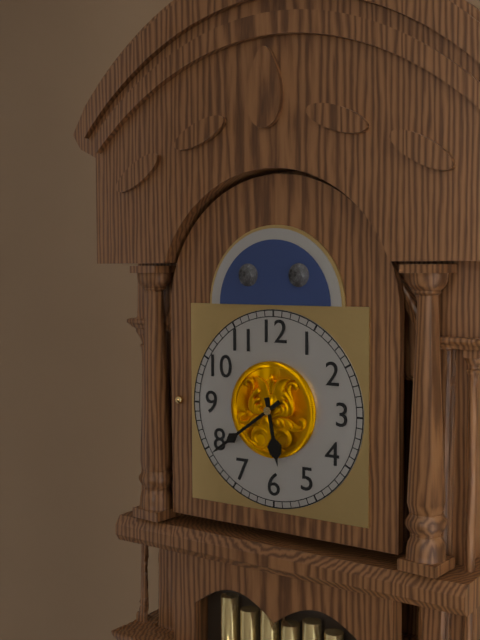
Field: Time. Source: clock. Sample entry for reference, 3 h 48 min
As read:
5 h 39 min
